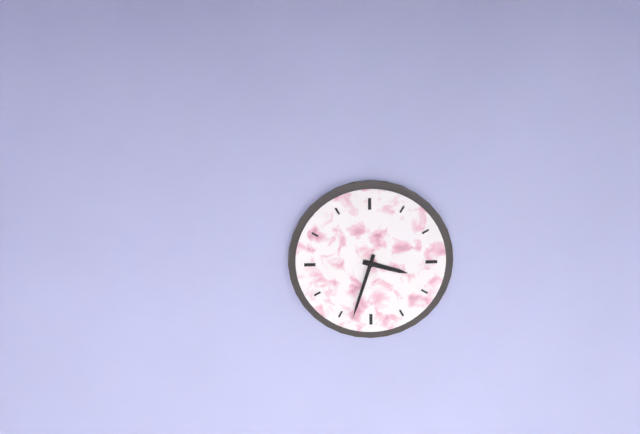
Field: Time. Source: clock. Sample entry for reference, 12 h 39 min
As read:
3 h 33 min
